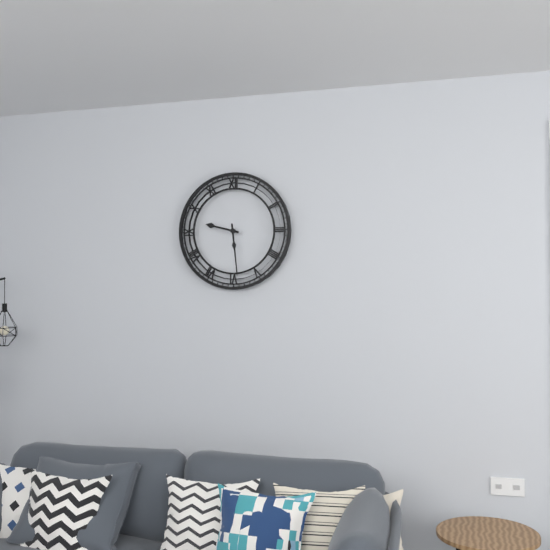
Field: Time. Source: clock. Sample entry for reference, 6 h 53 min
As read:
9 h 29 min
